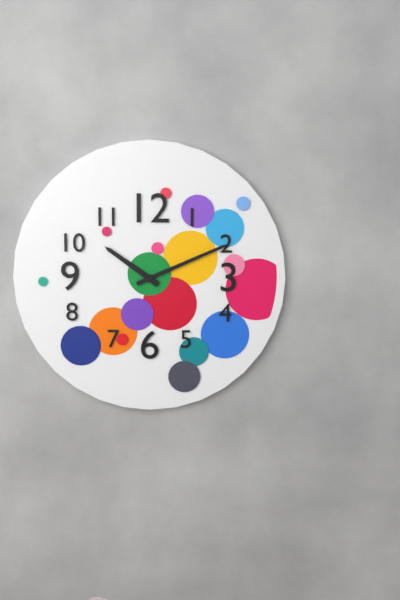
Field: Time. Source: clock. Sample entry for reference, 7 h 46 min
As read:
10 h 11 min
